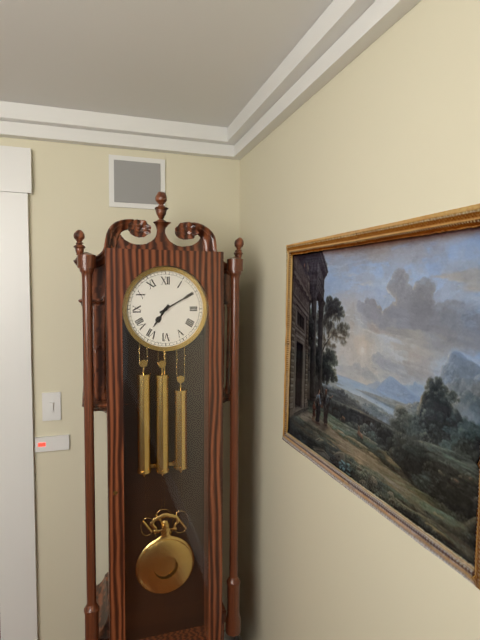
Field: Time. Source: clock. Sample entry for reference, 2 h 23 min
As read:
7 h 10 min
